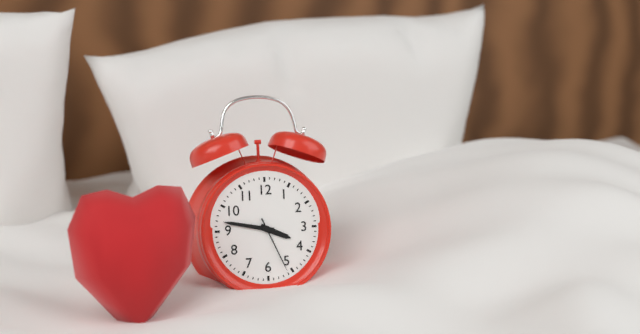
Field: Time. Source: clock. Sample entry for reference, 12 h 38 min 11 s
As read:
3 h 47 min 26 s
